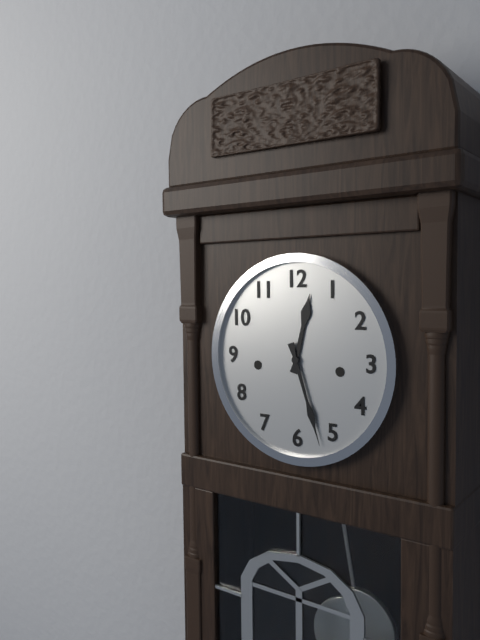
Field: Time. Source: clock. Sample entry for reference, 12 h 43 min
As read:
12 h 27 min
